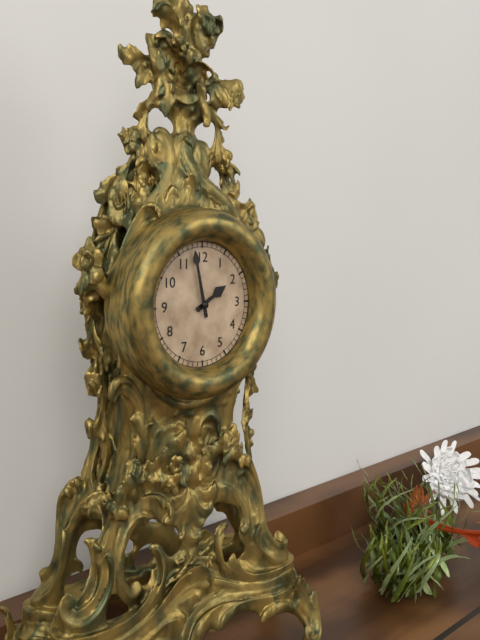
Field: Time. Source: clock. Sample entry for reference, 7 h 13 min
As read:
1 h 58 min
